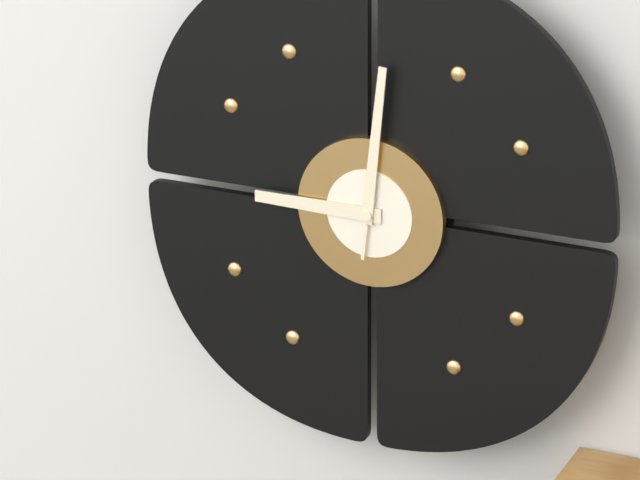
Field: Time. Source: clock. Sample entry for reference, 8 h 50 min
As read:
9 h 01 min
